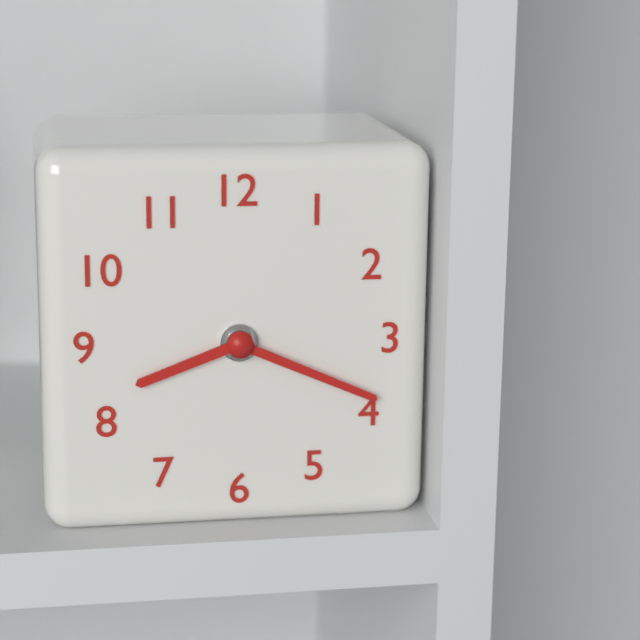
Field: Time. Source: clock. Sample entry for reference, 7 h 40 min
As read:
8 h 19 min
